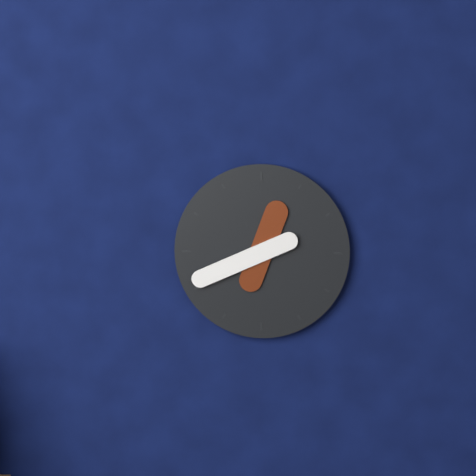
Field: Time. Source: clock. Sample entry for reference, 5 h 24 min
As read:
12 h 41 min
